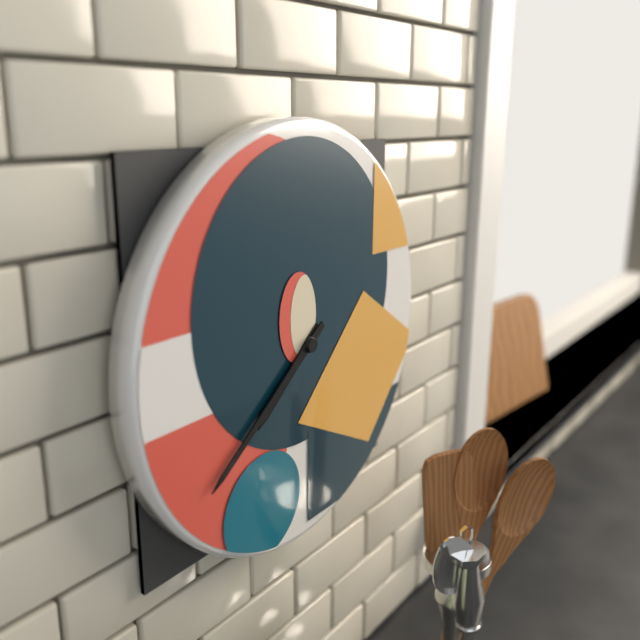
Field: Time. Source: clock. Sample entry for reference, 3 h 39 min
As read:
7 h 39 min
